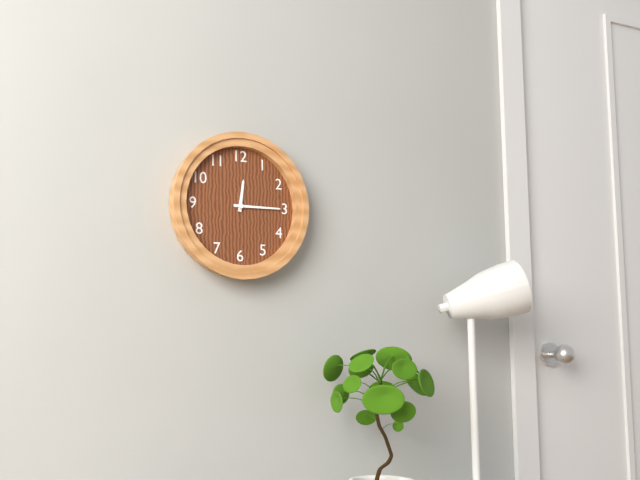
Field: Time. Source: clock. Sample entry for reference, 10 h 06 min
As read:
12 h 15 min
